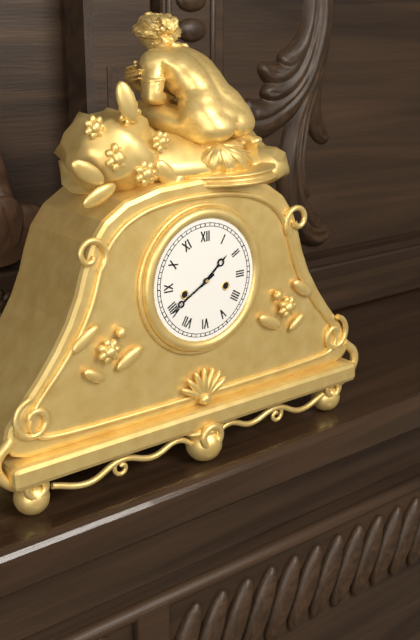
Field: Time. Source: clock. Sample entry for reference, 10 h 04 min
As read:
1 h 40 min
